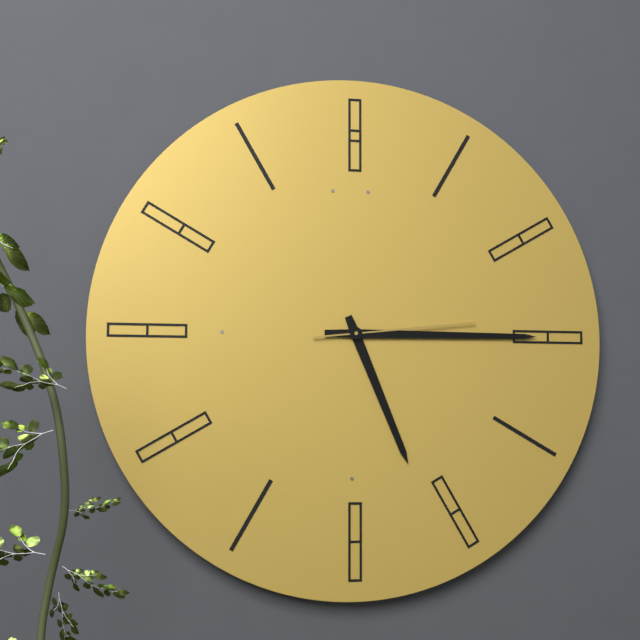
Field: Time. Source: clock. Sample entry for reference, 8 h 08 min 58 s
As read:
5 h 15 min 14 s
